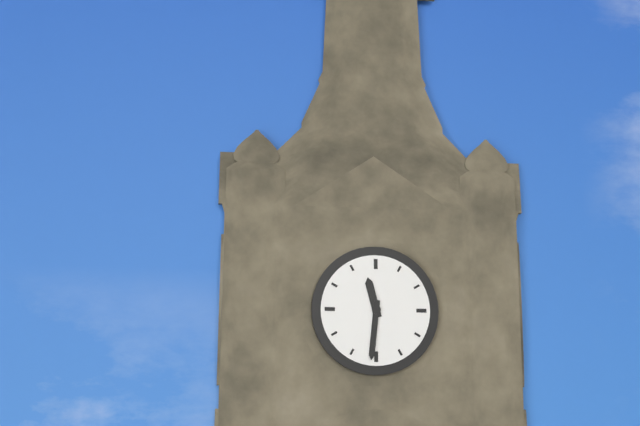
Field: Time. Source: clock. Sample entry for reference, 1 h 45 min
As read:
11 h 31 min
